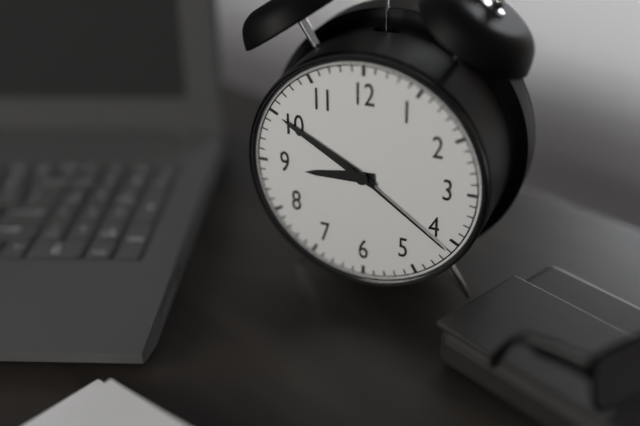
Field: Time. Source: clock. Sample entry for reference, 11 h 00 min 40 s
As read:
8 h 50 min 21 s
